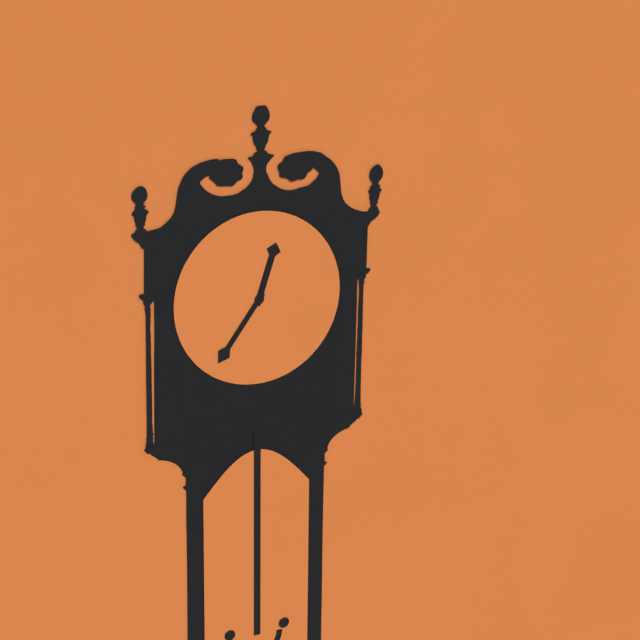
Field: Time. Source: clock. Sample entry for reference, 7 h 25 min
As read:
12 h 36 min
